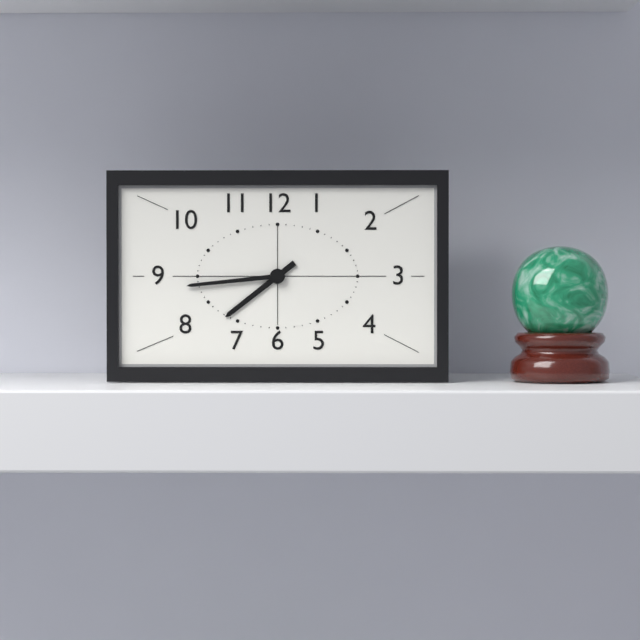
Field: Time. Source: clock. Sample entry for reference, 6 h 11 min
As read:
7 h 44 min
